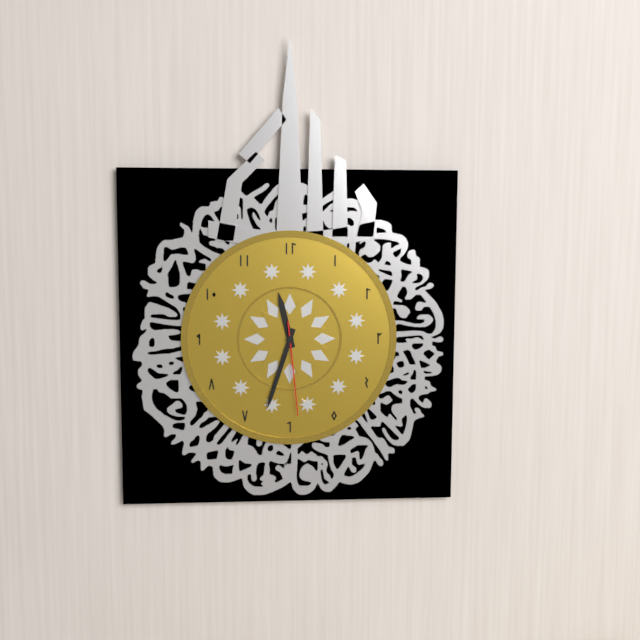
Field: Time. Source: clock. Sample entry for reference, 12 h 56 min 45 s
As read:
11 h 33 min 29 s
